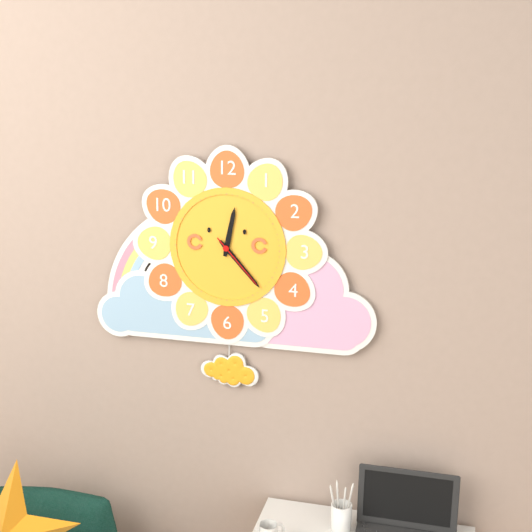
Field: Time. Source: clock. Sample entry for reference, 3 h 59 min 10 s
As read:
12 h 23 min 23 s
